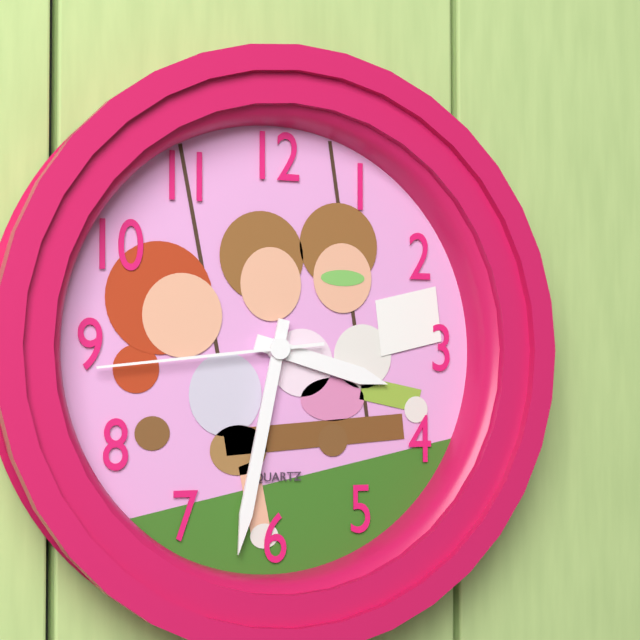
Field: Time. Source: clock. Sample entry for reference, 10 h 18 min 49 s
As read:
3 h 32 min 44 s
